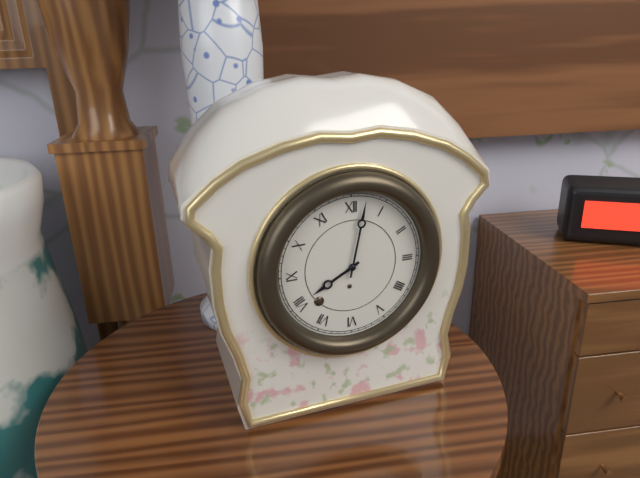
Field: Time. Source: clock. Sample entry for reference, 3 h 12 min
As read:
8 h 02 min
